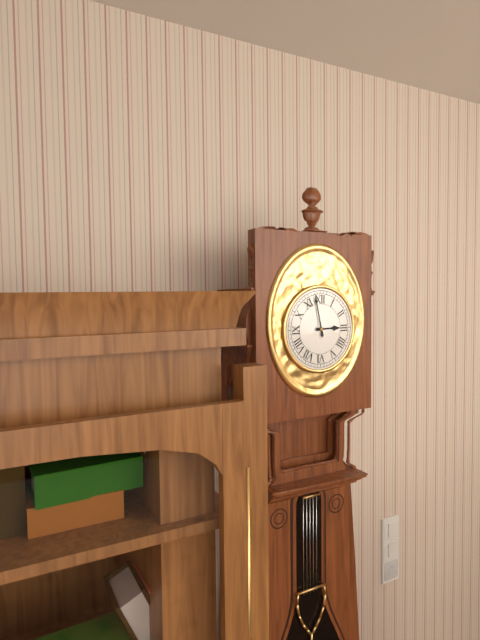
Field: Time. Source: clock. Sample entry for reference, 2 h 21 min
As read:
2 h 58 min
